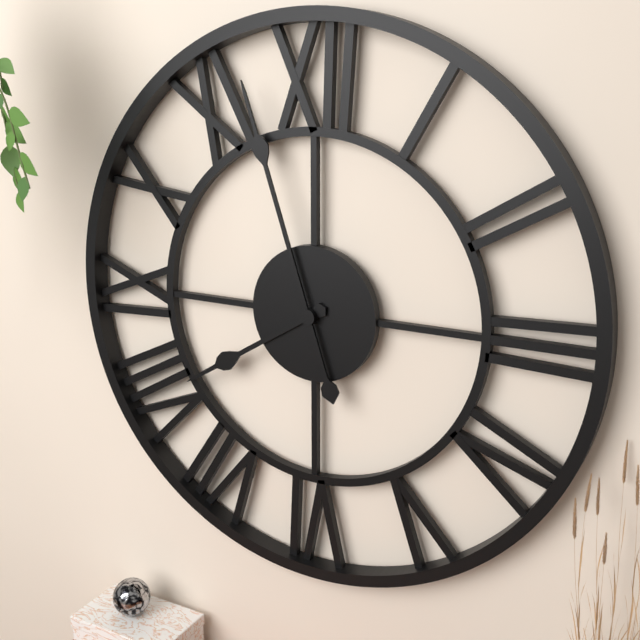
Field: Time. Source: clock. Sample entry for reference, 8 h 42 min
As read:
7 h 57 min
